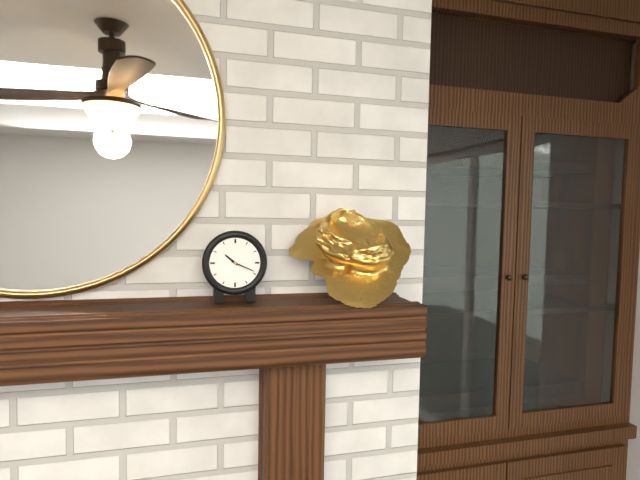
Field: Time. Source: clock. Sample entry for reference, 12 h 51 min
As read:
10 h 19 min
